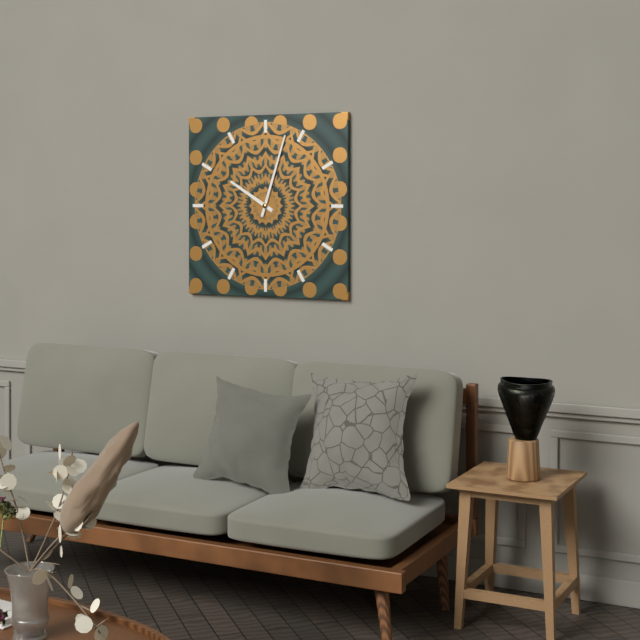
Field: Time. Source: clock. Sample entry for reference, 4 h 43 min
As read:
10 h 03 min
